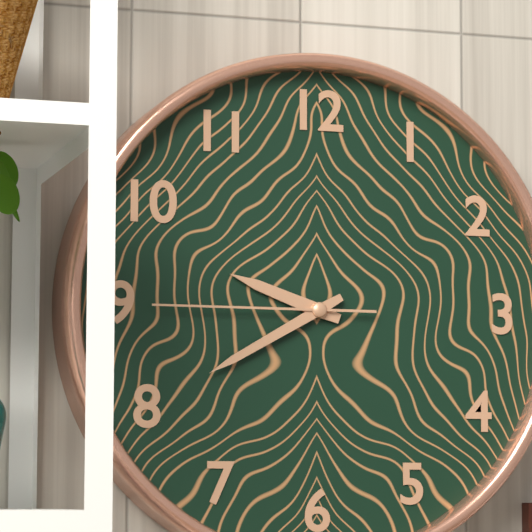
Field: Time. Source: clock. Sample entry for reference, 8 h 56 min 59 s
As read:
9 h 40 min 45 s
